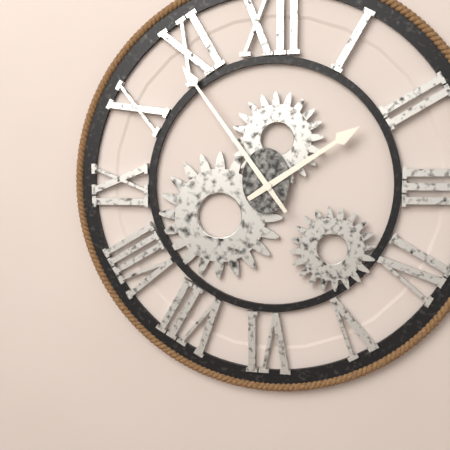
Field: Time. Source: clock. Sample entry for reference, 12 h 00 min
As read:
1 h 54 min
